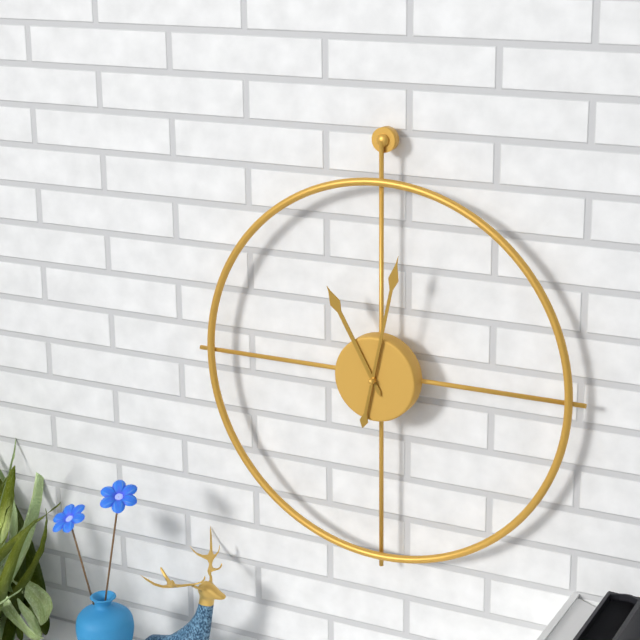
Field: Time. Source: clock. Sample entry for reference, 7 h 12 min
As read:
11 h 02 min
